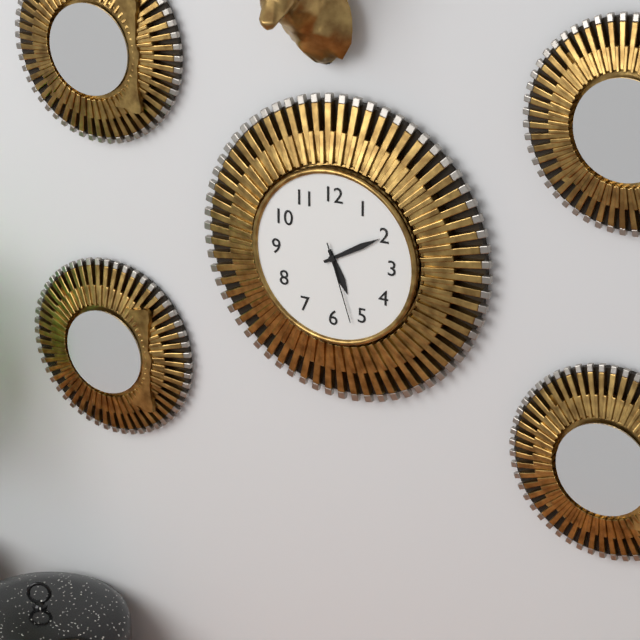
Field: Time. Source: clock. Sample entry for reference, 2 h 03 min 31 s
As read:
5 h 10 min 27 s
